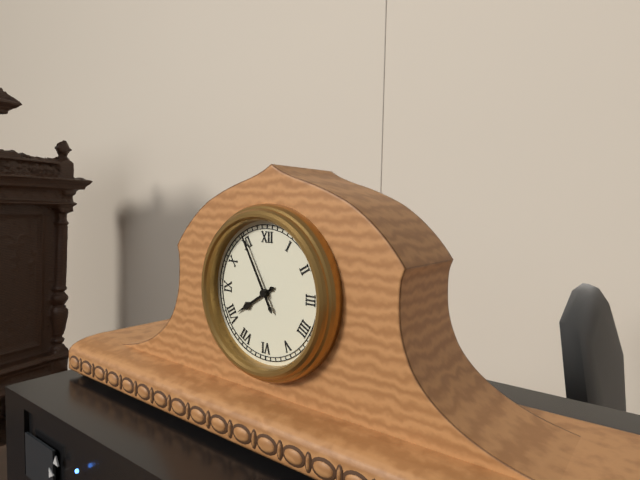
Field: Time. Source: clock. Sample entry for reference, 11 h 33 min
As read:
7 h 55 min
